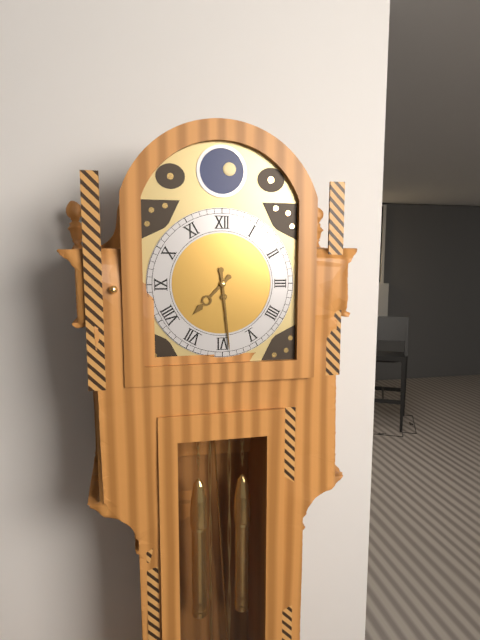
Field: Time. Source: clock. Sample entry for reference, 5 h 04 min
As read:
7 h 29 min
